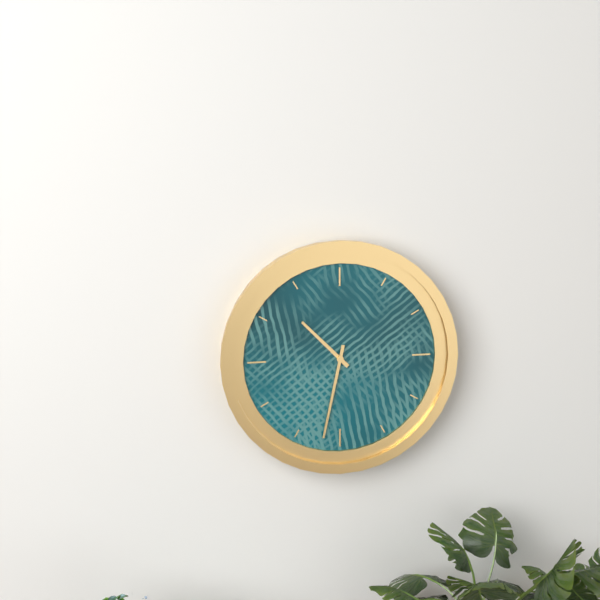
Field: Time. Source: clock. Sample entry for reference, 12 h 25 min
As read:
10 h 32 min
